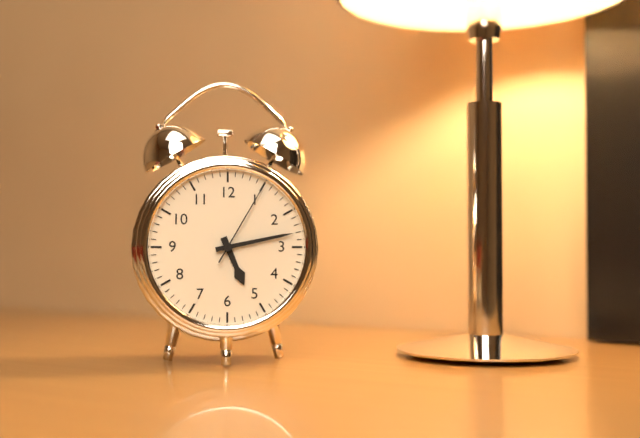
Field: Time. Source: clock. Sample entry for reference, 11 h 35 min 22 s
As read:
5 h 13 min 05 s
